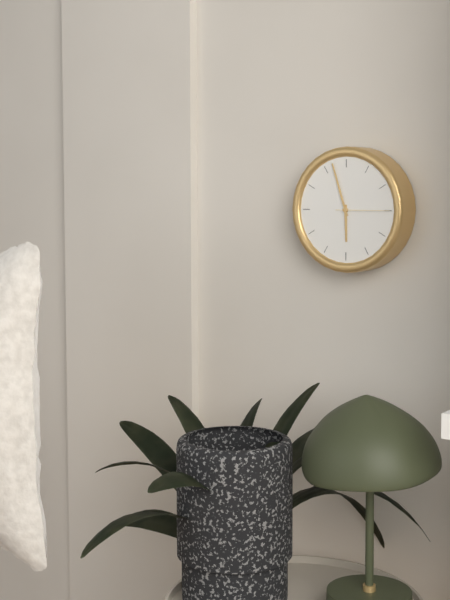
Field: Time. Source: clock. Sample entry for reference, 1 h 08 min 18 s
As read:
5 h 57 min 15 s
